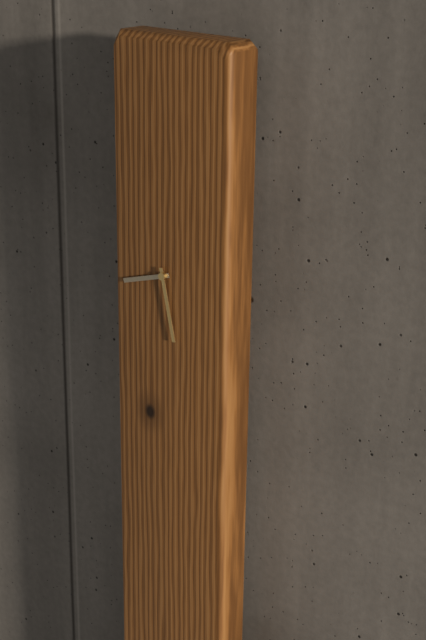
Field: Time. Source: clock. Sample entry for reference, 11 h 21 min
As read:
8 h 28 min
